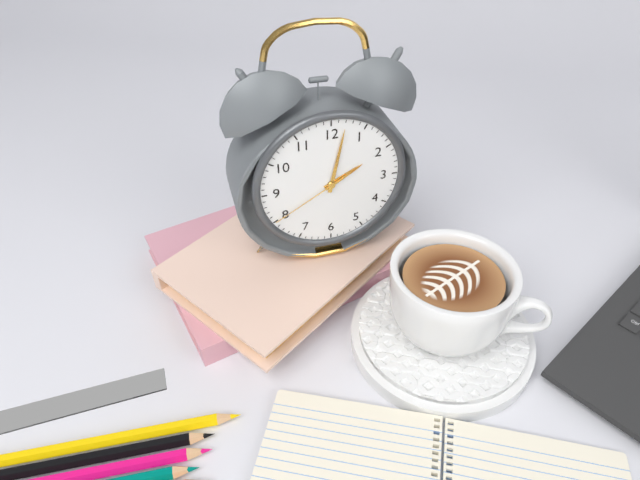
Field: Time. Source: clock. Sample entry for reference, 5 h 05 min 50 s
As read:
2 h 02 min 40 s
